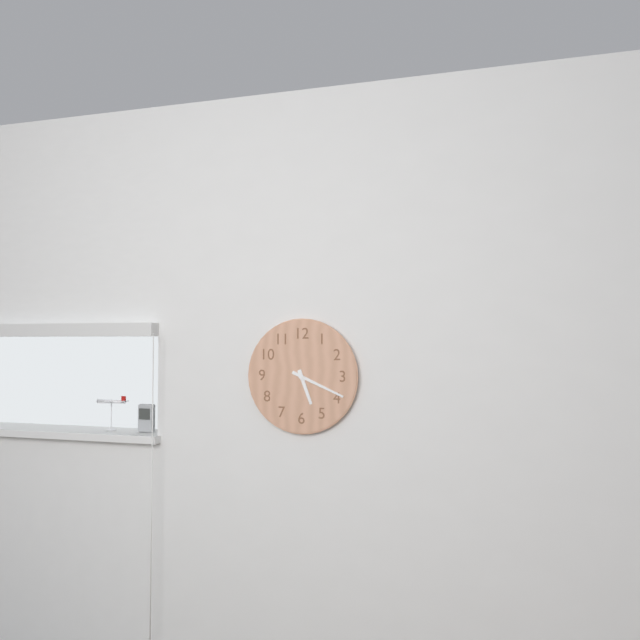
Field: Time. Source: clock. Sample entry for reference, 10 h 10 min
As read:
5 h 19 min
